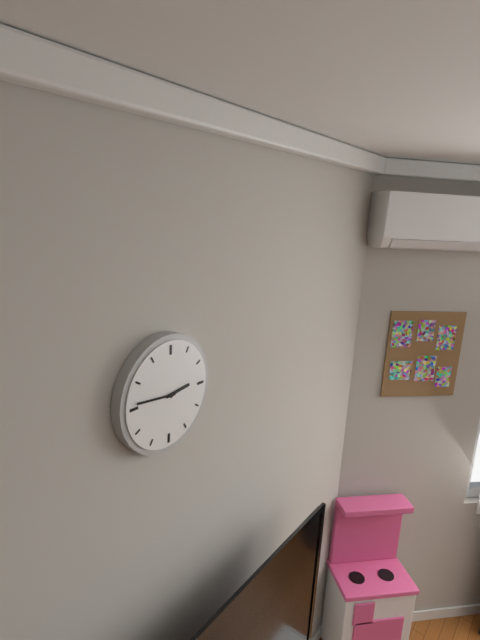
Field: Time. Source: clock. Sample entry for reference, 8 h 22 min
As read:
2 h 46 min
